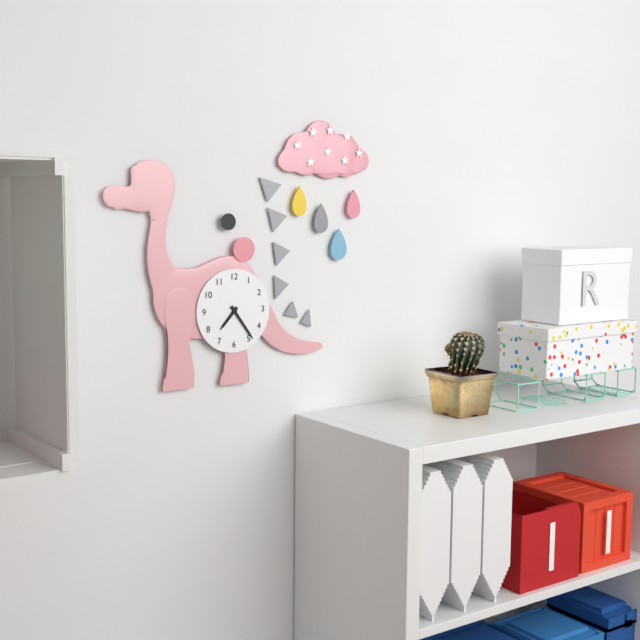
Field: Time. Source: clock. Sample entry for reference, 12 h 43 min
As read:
7 h 24 min
